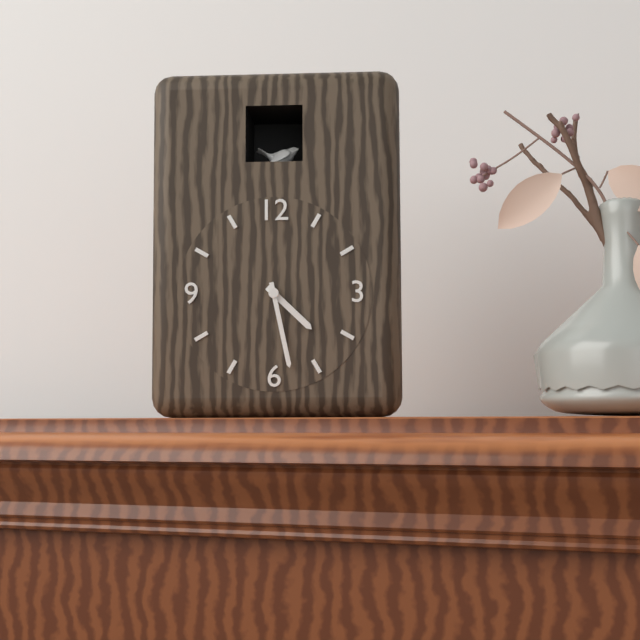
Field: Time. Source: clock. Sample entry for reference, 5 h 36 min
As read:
4 h 28 min
